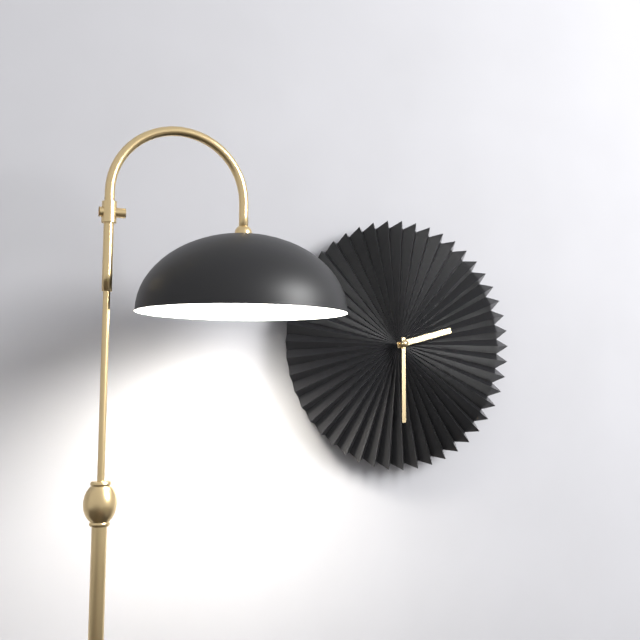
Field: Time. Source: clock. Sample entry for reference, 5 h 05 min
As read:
2 h 30 min
